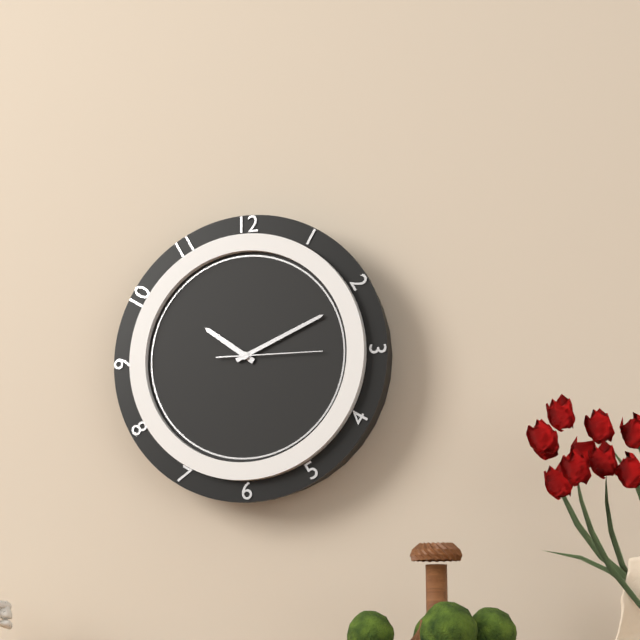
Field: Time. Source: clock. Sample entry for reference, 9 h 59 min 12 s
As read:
10 h 11 min 15 s
